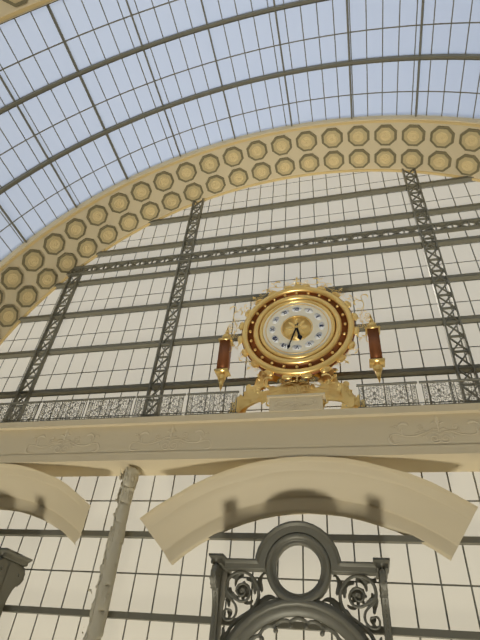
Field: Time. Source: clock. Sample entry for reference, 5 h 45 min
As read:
5 h 33 min
